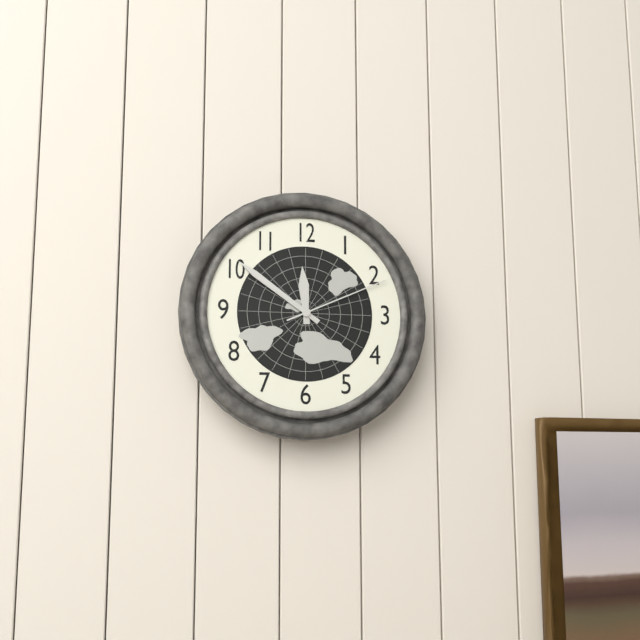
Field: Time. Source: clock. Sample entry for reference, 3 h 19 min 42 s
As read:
11 h 51 min 11 s
